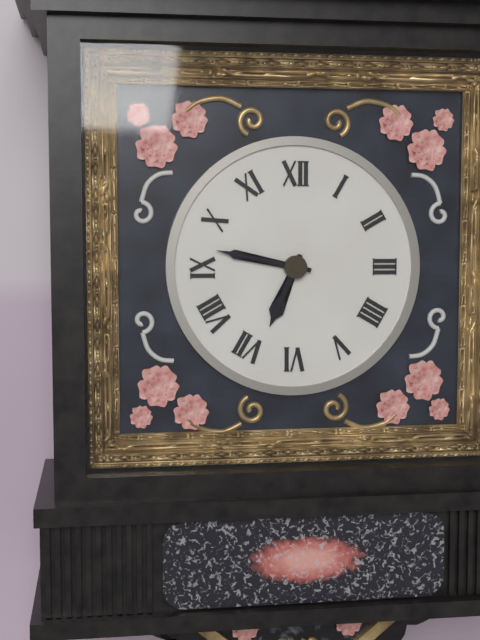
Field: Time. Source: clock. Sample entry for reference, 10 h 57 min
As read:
6 h 47 min
